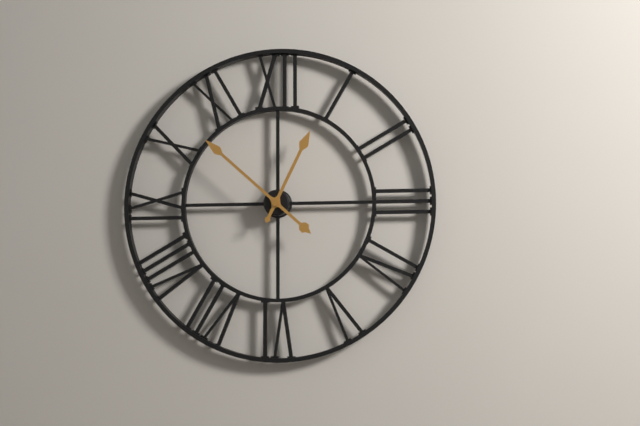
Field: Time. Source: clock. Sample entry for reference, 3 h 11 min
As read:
12 h 52 min
